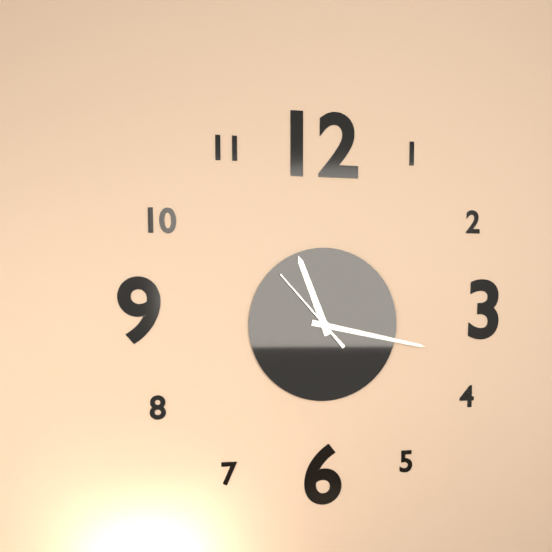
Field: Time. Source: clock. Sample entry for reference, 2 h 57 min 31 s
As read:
11 h 17 min 53 s
